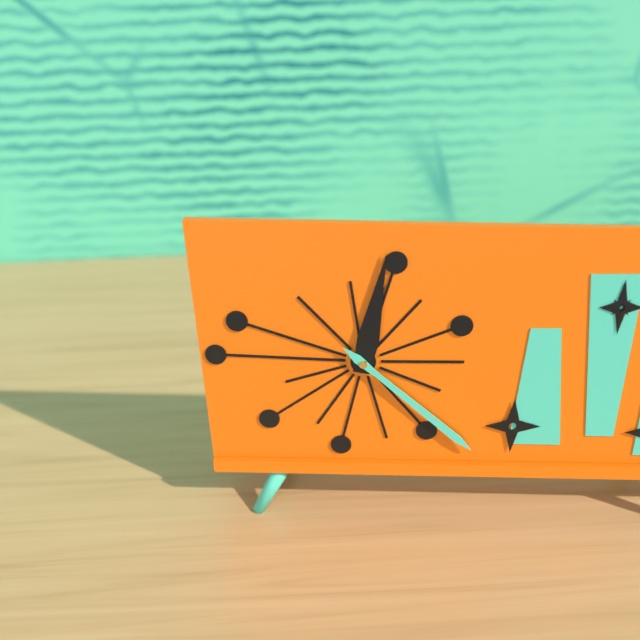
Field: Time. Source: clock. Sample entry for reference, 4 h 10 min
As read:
12 h 22 min
